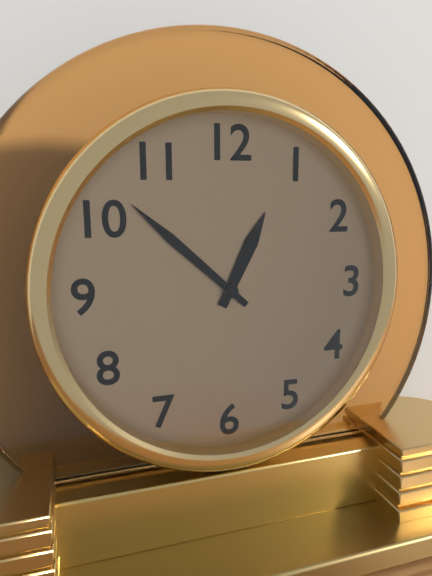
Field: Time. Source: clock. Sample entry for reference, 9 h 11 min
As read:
12 h 52 min
